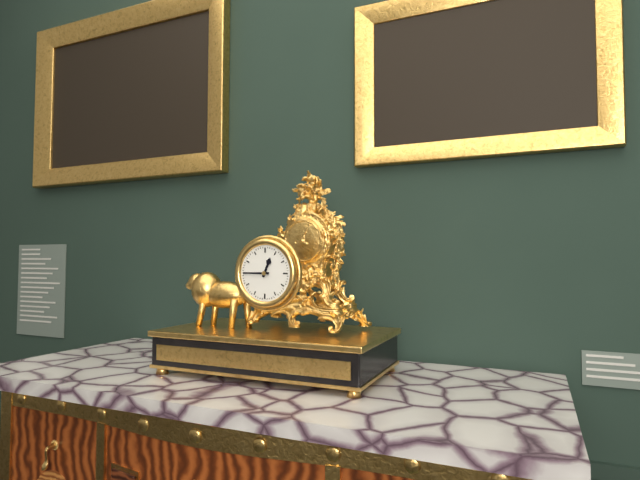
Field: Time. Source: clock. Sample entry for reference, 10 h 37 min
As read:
12 h 45 min
